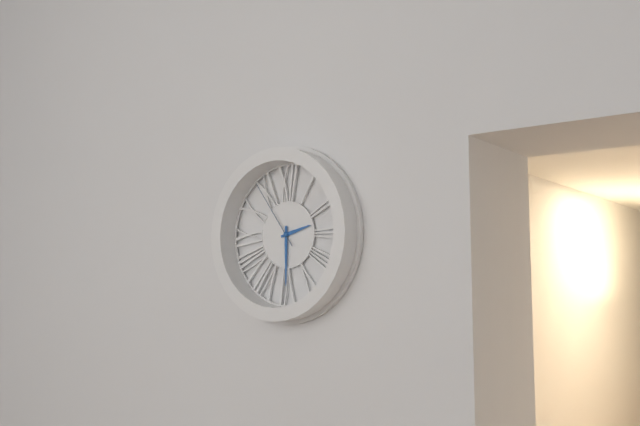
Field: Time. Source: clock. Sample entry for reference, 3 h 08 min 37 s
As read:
2 h 30 min 54 s
